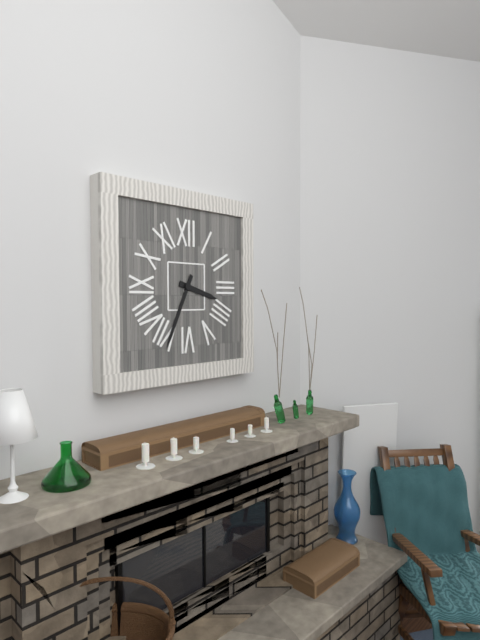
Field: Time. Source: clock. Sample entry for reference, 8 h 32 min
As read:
3 h 34 min
